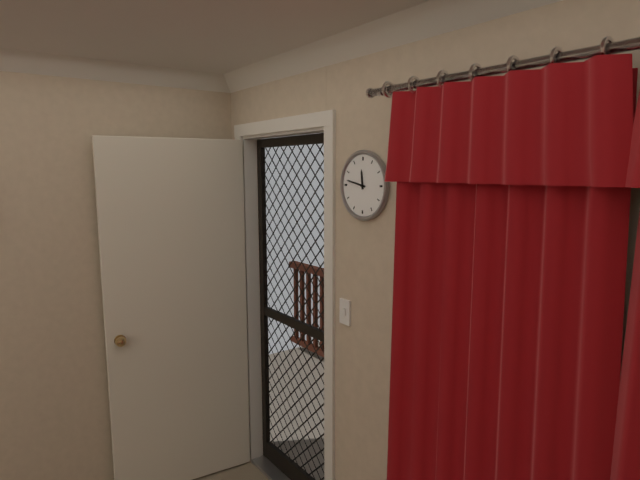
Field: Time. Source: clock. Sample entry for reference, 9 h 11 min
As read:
11 h 47 min
